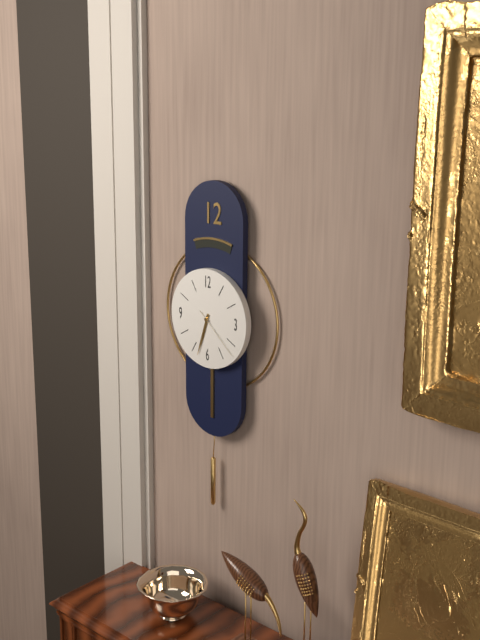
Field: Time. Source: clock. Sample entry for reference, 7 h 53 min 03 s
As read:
6 h 33 min 22 s
